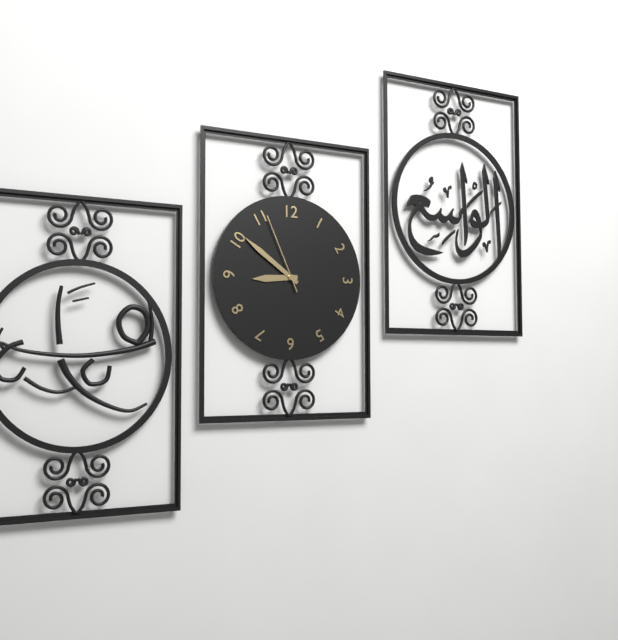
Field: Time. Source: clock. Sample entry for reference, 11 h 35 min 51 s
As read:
8 h 51 min 56 s
